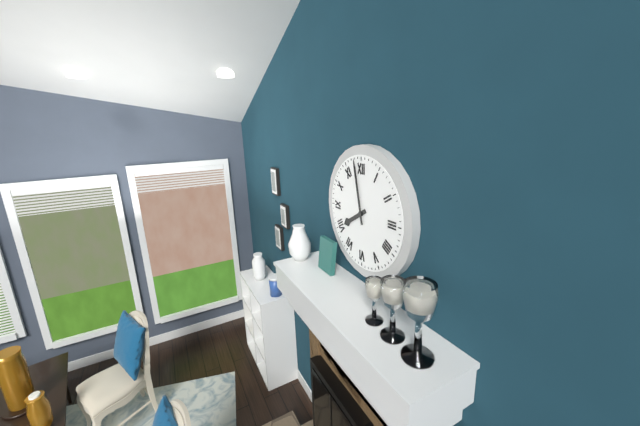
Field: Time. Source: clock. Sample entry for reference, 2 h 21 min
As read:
7 h 58 min
